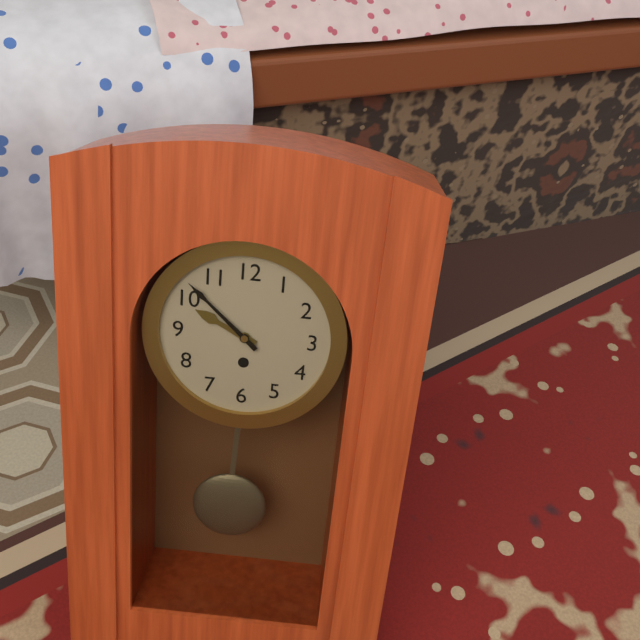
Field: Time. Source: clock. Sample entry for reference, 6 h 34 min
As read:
9 h 52 min
